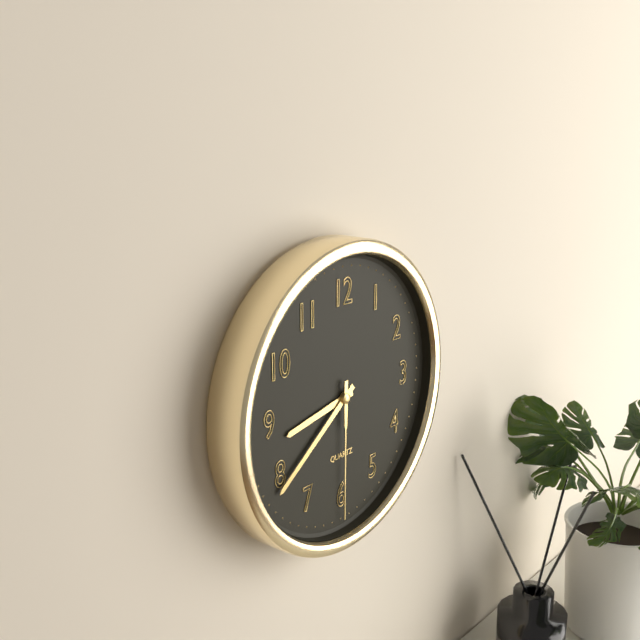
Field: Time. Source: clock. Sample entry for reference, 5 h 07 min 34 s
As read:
8 h 39 min 30 s
